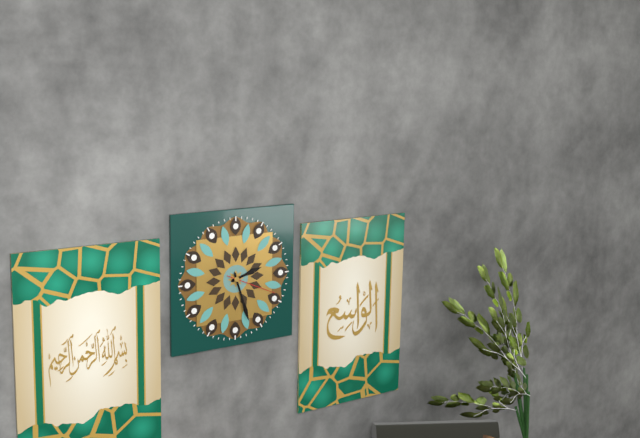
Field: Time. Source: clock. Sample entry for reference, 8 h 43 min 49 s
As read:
2 h 27 min 19 s
